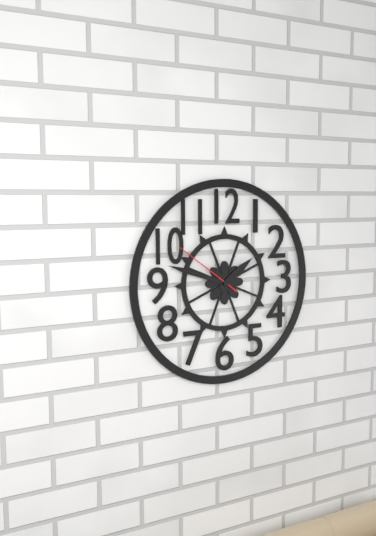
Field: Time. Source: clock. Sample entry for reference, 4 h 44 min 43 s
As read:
1 h 48 min 51 s
